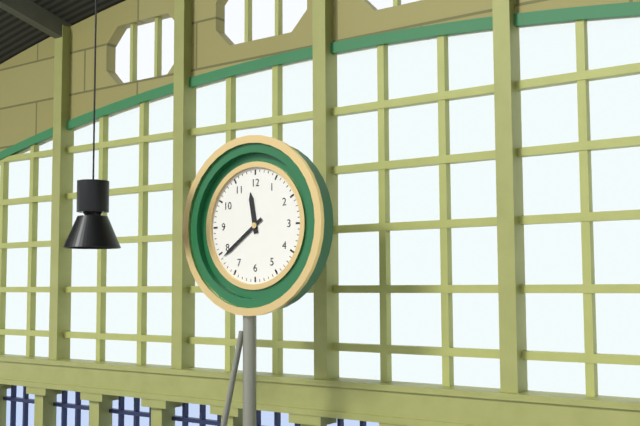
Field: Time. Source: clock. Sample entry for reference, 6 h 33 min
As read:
11 h 39 min
